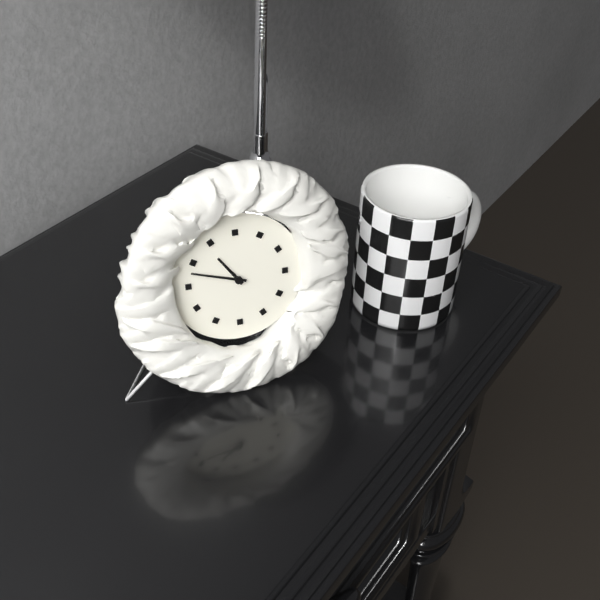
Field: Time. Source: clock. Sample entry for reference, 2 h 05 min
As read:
10 h 48 min
